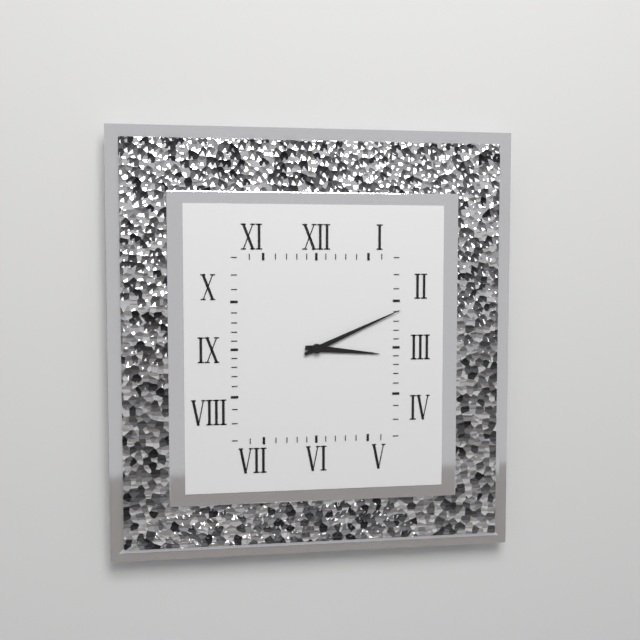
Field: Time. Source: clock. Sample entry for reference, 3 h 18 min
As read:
3 h 11 min
